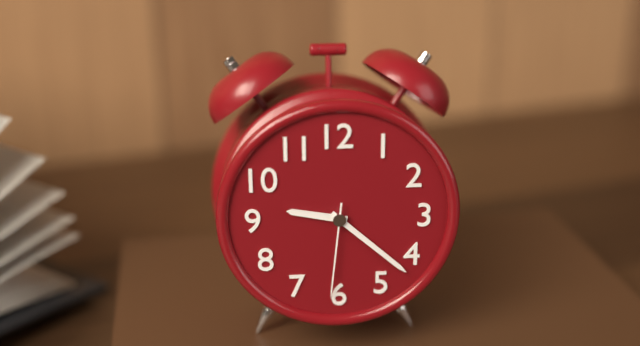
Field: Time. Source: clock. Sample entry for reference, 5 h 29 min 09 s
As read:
9 h 22 min 31 s
